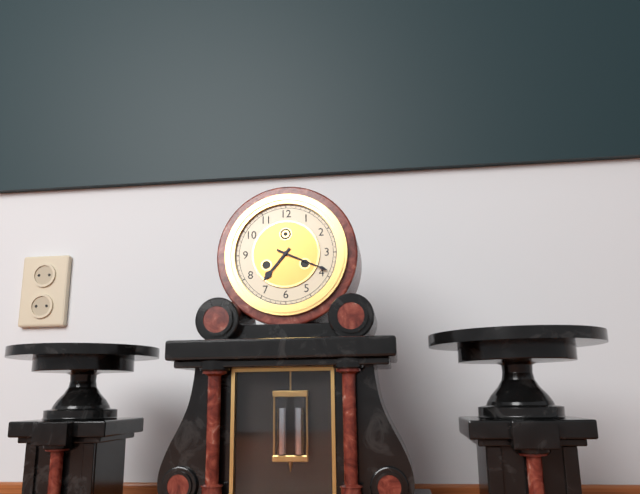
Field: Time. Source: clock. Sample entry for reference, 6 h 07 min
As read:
7 h 19 min
